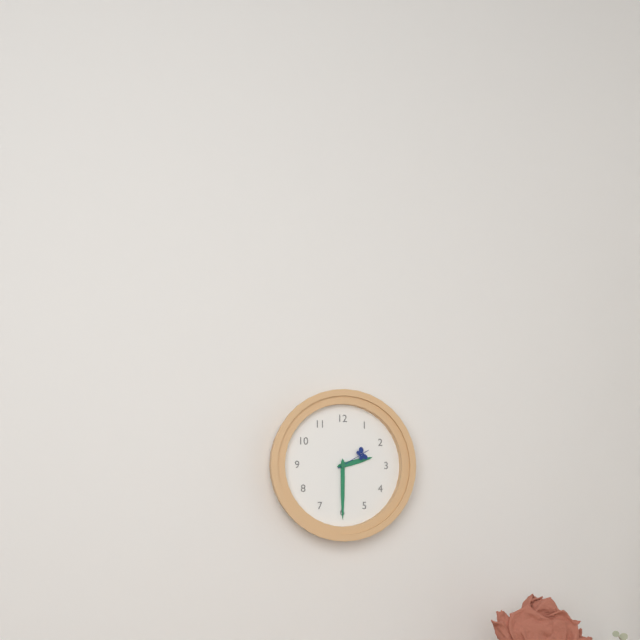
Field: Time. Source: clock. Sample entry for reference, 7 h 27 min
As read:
2 h 30 min
